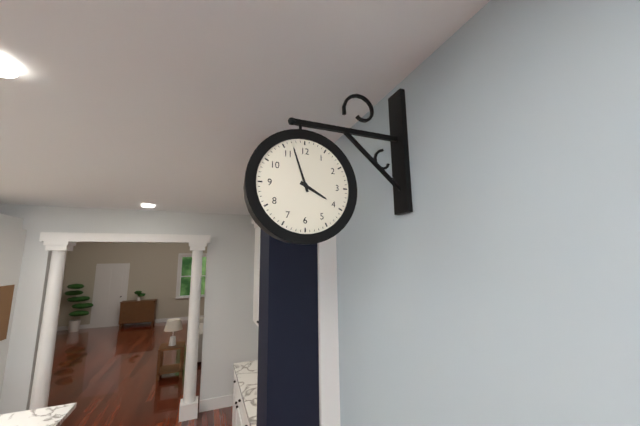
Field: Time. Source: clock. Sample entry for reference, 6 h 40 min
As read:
3 h 57 min
